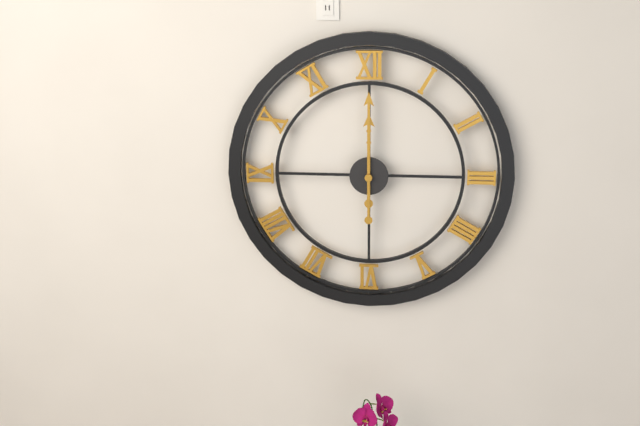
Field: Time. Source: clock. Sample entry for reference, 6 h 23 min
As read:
12 h 00 min
